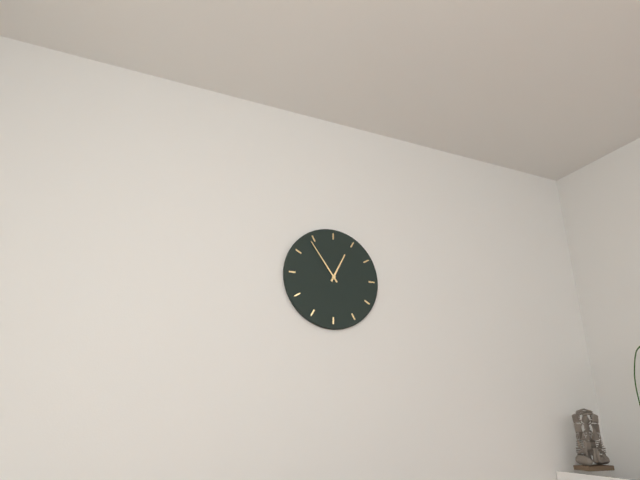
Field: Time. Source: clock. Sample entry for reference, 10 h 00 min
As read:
12 h 54 min
